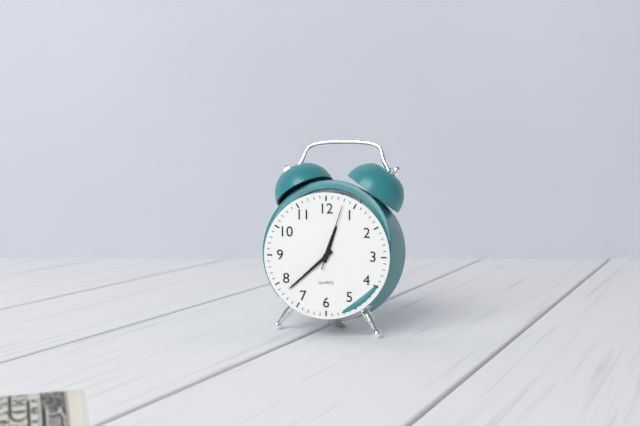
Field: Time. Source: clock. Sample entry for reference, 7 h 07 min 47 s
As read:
12 h 38 min 03 s
